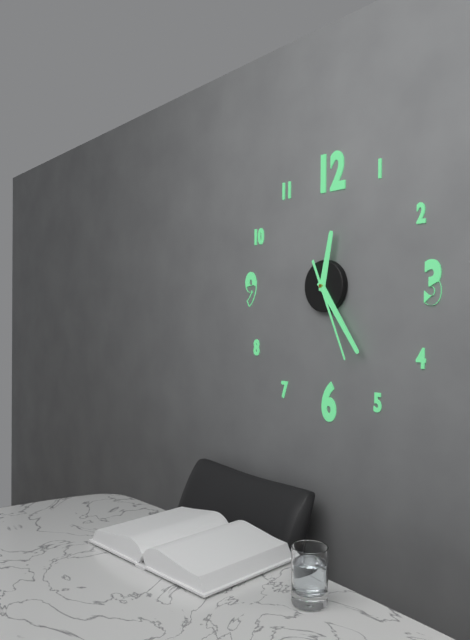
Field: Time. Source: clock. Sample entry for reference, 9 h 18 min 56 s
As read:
12 h 24 min 26 s
